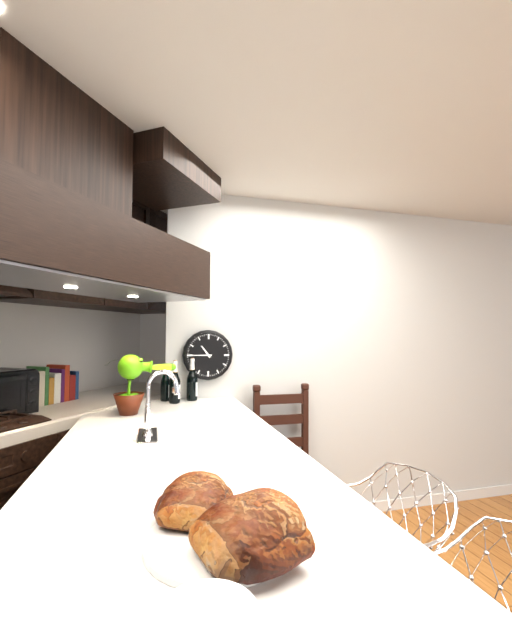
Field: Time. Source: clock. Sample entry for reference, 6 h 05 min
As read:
10 h 45 min
